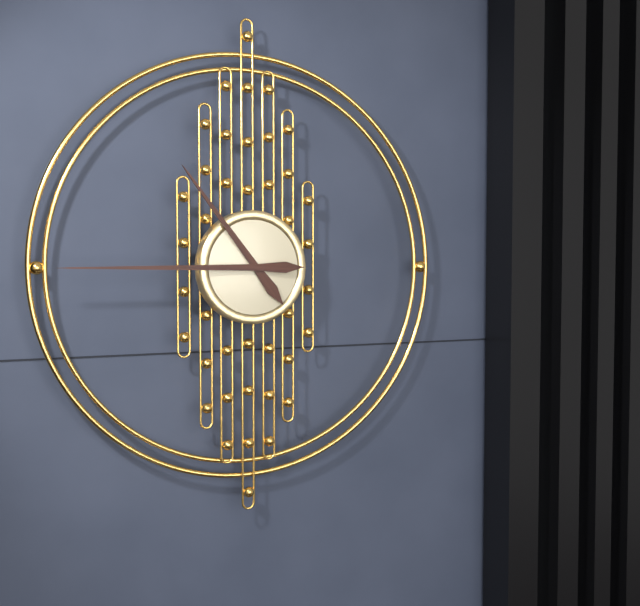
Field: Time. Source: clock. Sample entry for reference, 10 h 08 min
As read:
10 h 45 min
